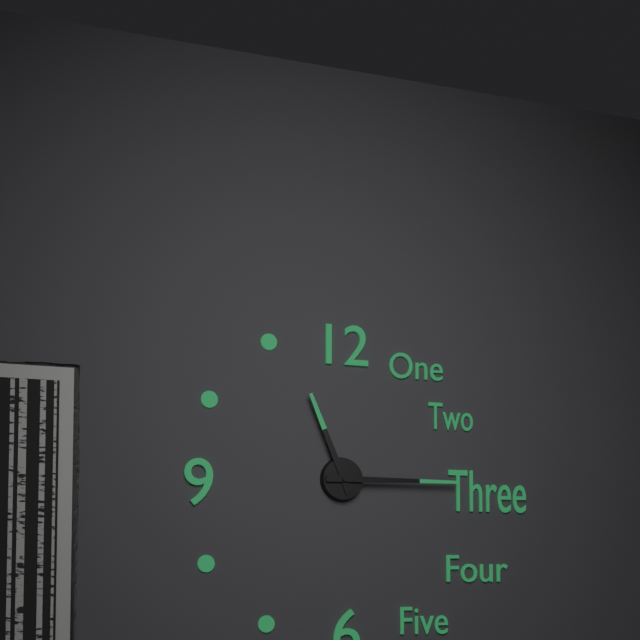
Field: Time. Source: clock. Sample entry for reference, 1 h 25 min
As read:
11 h 15 min
